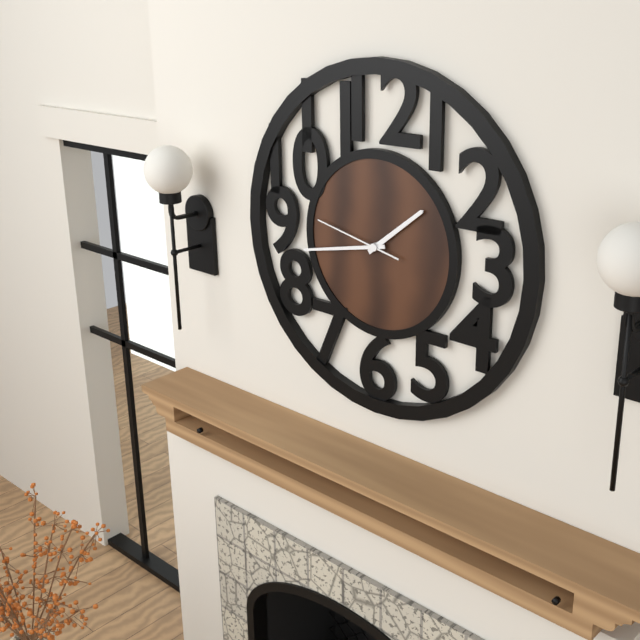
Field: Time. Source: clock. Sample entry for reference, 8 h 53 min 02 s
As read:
1 h 43 min 47 s
